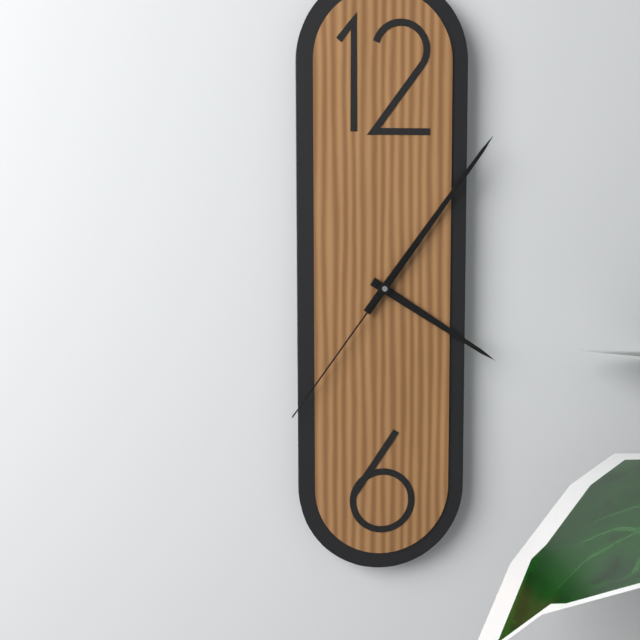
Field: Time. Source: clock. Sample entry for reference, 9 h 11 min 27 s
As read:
4 h 06 min 36 s
